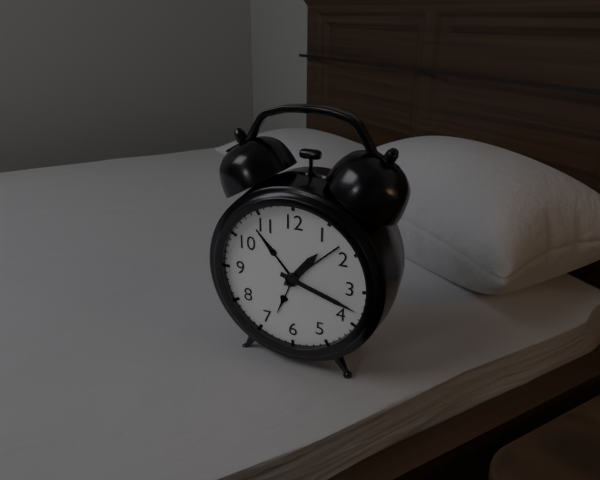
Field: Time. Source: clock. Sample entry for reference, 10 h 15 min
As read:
1 h 18 min
